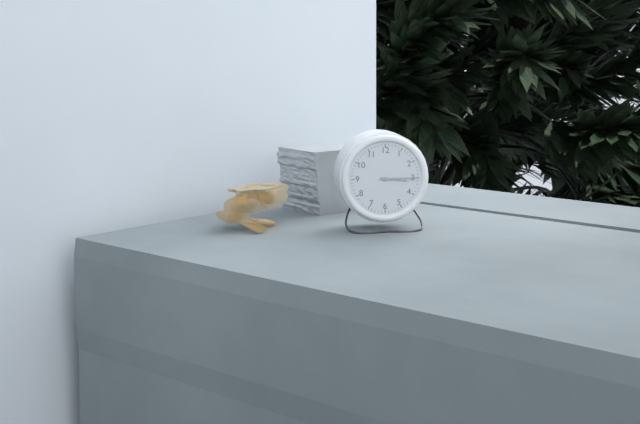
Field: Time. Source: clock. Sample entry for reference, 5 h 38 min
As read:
3 h 15 min
